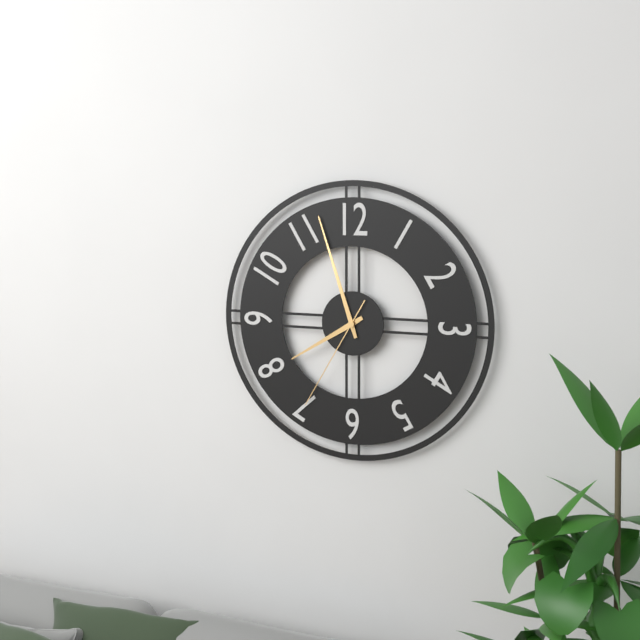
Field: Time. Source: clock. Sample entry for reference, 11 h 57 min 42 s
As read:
7 h 57 min 35 s
